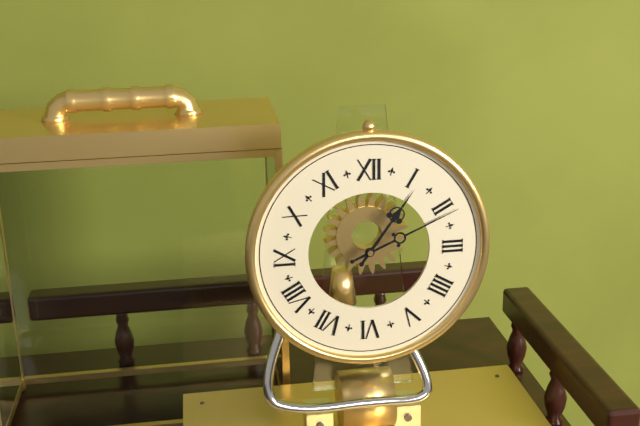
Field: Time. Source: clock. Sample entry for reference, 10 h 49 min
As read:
1 h 11 min
